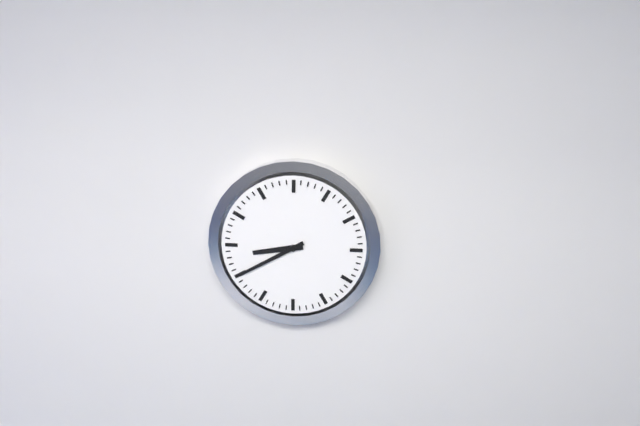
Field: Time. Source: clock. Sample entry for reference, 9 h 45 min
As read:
8 h 40 min
